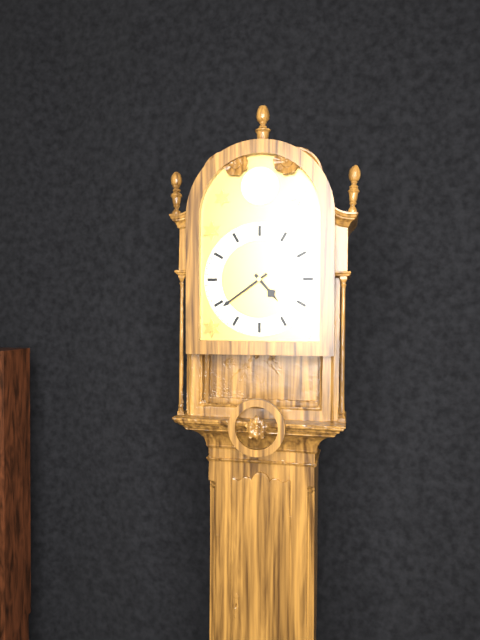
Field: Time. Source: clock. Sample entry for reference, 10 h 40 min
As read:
4 h 39 min
